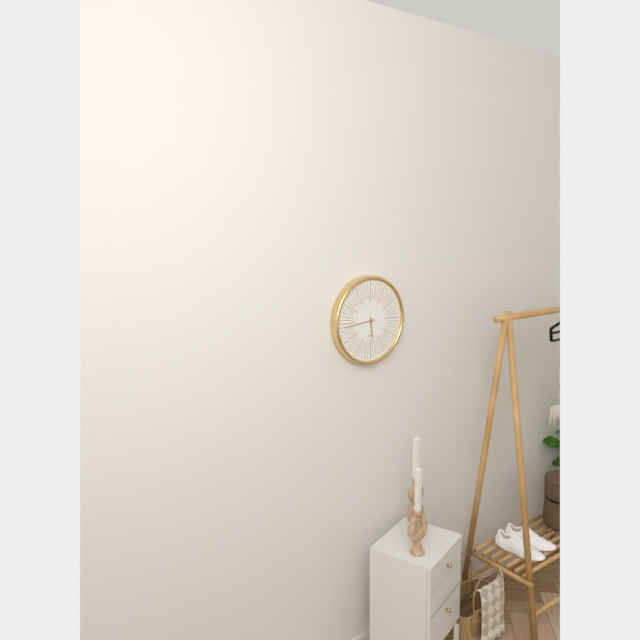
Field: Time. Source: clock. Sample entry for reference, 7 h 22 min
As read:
5 h 44 min
